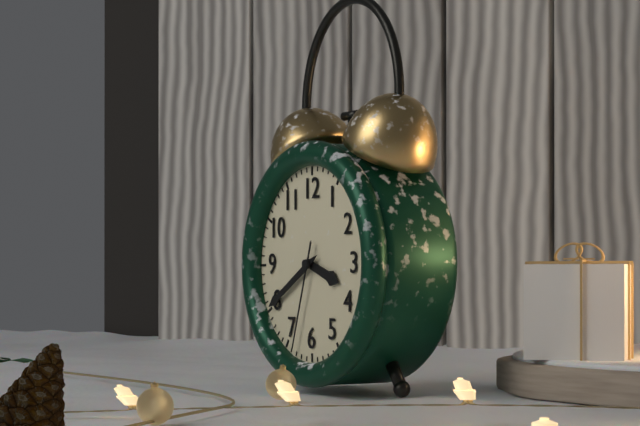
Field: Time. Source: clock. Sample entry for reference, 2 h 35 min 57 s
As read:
3 h 40 min 33 s
